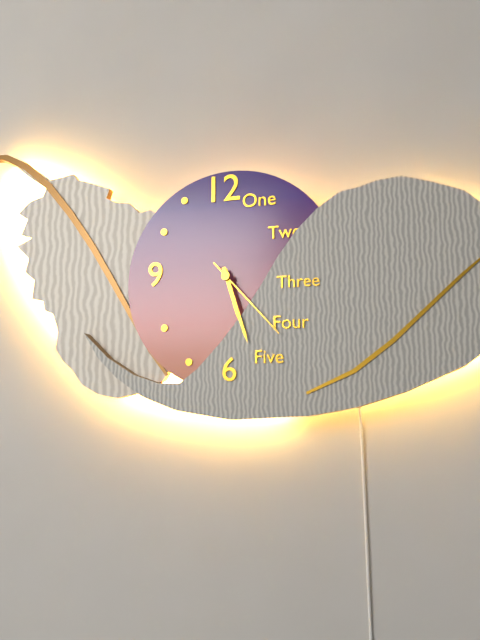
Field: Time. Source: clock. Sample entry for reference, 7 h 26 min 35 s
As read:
5 h 27 min 23 s
